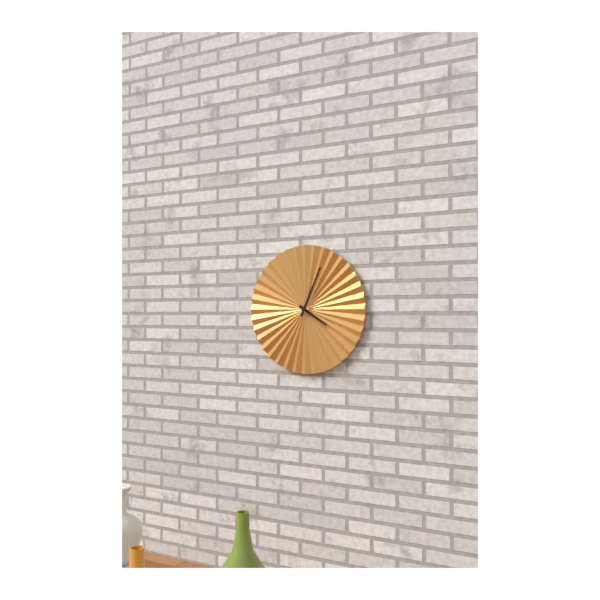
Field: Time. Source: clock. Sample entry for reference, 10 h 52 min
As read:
4 h 04 min
